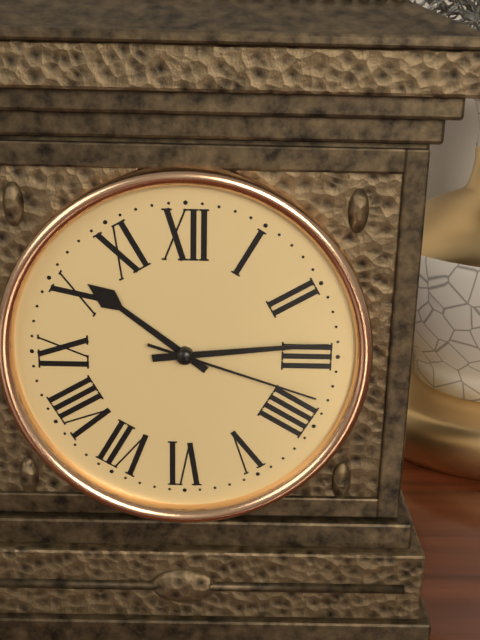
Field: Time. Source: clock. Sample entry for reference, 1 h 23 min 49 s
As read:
10 h 14 min 18 s
